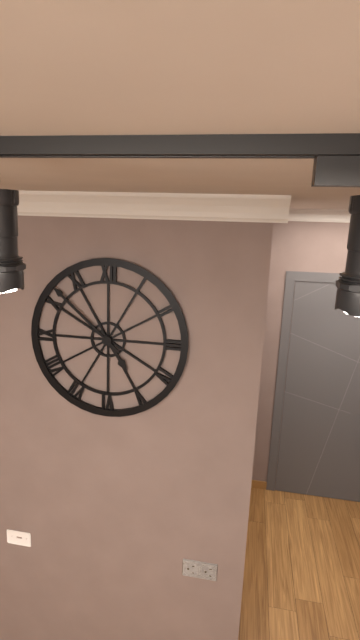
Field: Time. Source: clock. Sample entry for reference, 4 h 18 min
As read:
4 h 52 min
